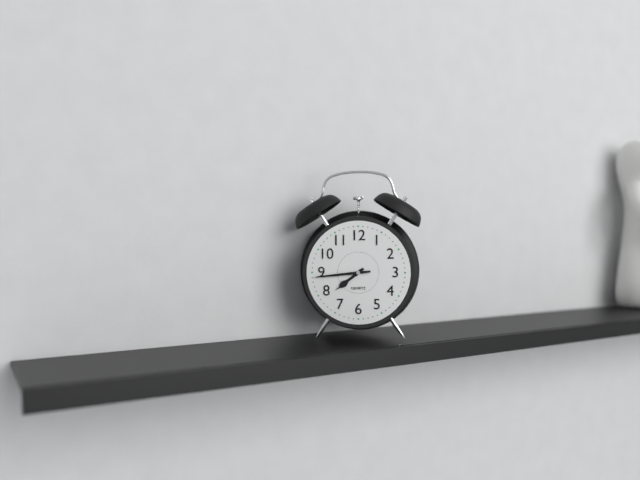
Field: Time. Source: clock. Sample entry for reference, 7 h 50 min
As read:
7 h 44 min
